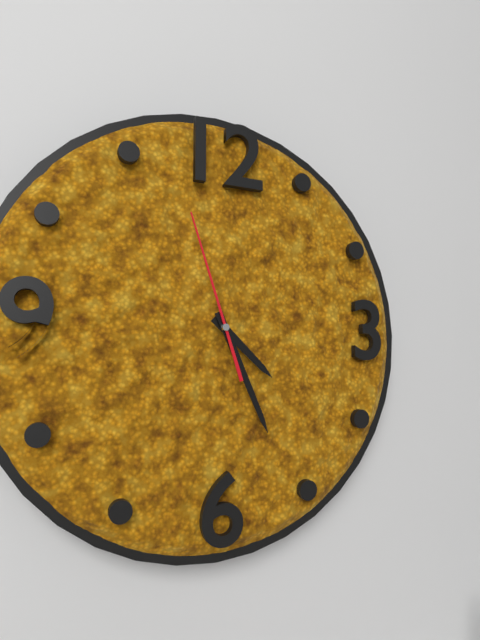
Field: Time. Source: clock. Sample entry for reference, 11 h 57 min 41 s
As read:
4 h 26 min 57 s
